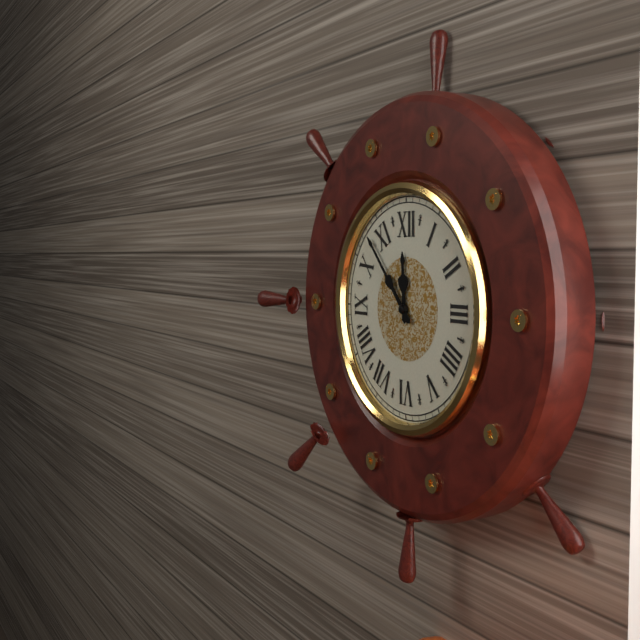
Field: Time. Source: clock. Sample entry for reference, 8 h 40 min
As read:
11 h 53 min
